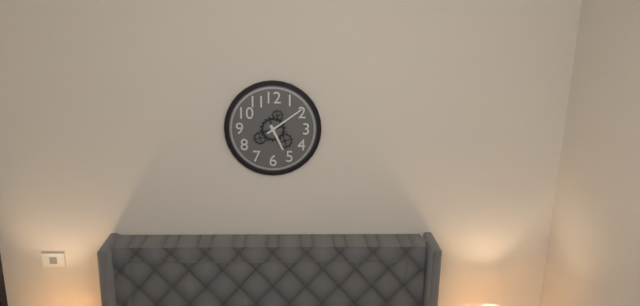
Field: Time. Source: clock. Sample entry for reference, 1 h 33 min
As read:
5 h 09 min
